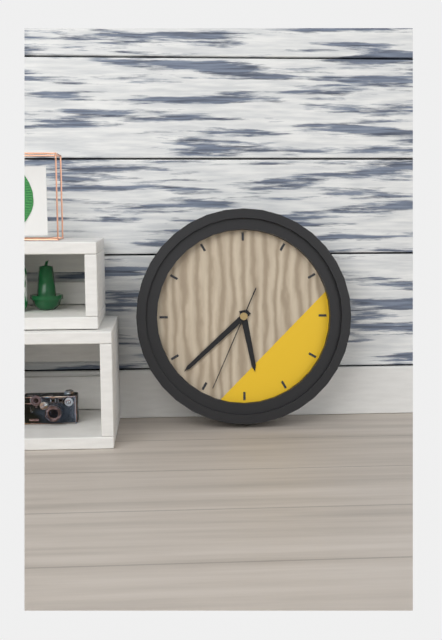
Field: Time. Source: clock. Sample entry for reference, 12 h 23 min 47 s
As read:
5 h 38 min 34 s
